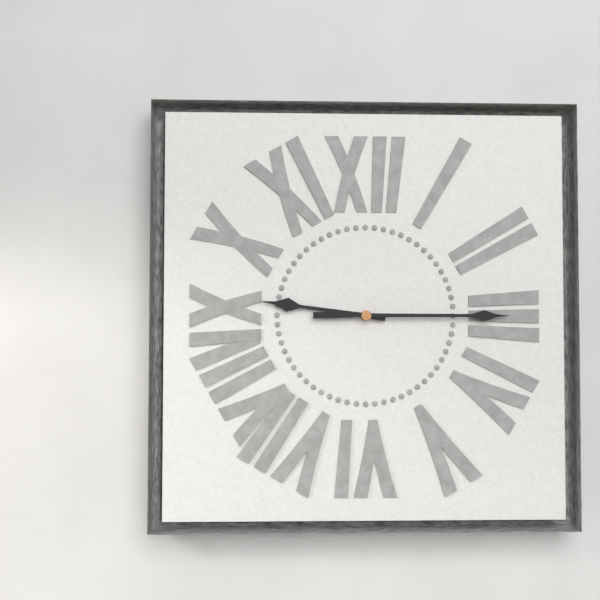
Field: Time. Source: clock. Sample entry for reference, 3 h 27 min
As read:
9 h 15 min
